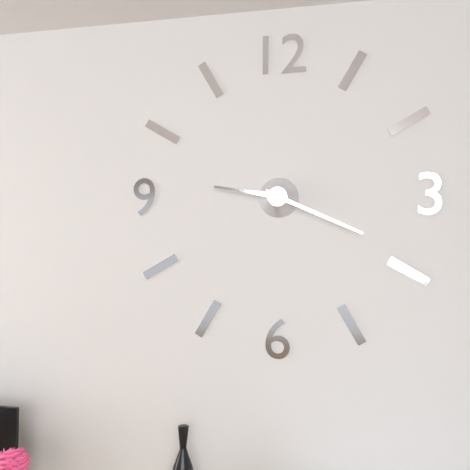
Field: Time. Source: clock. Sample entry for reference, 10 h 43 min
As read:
9 h 19 min
